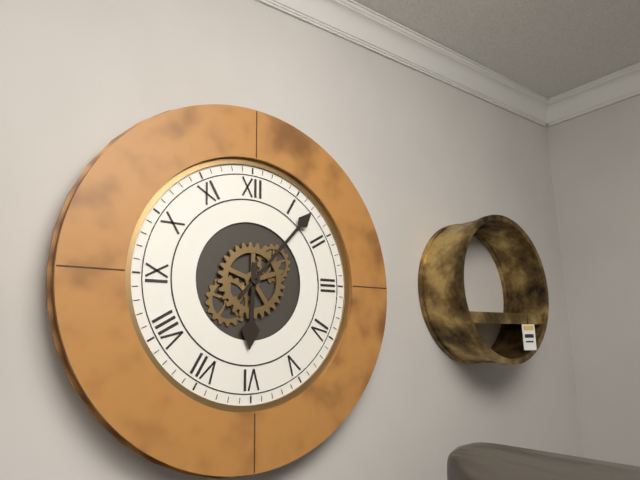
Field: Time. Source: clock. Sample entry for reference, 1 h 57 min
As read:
6 h 07 min
